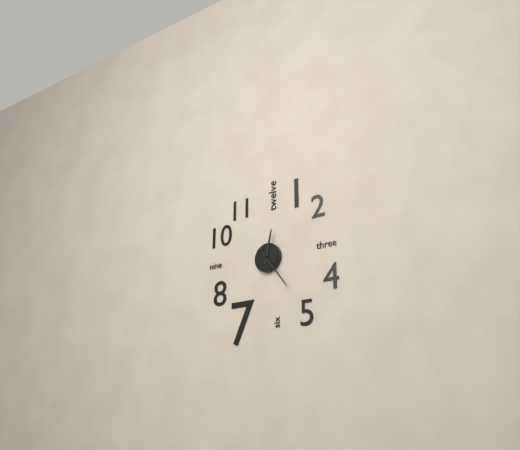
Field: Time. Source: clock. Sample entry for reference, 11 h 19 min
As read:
12 h 24 min
